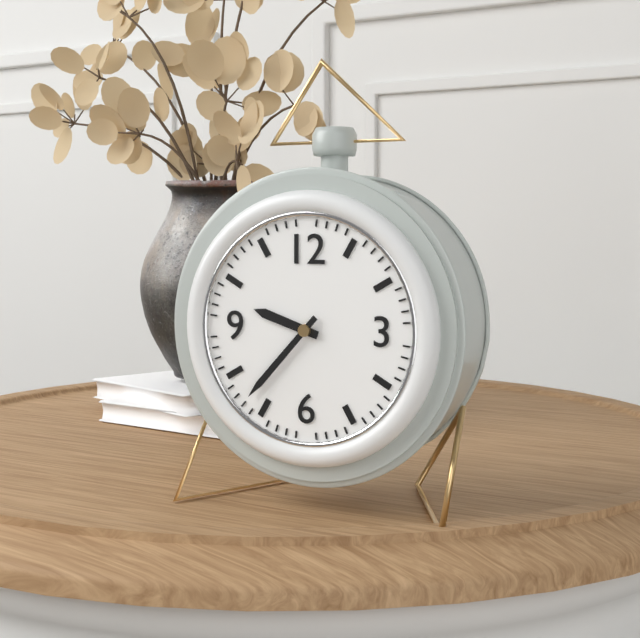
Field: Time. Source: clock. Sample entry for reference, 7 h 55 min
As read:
9 h 37 min
